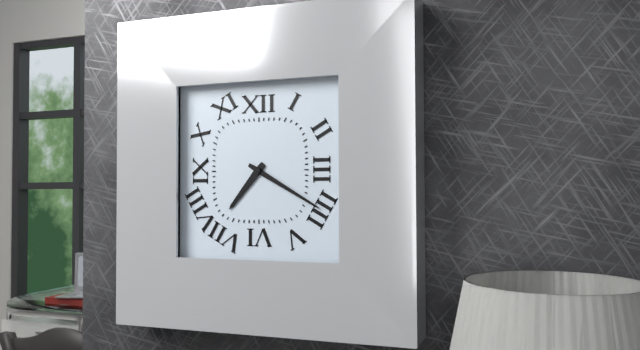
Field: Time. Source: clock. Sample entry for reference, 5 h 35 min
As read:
7 h 20 min
